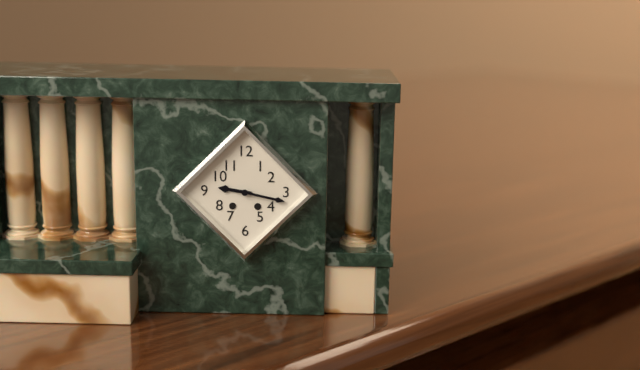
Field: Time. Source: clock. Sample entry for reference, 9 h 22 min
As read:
9 h 17 min
